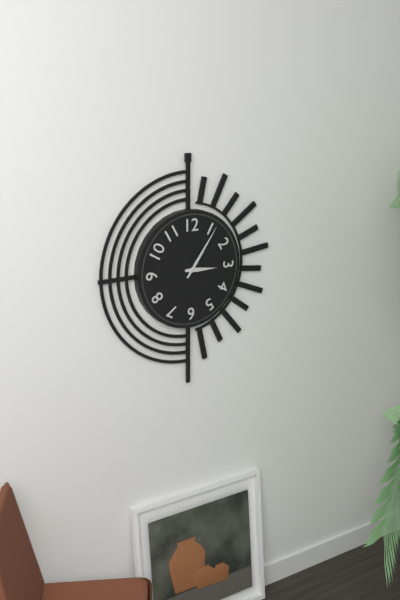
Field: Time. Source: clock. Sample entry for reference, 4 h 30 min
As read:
3 h 06 min
